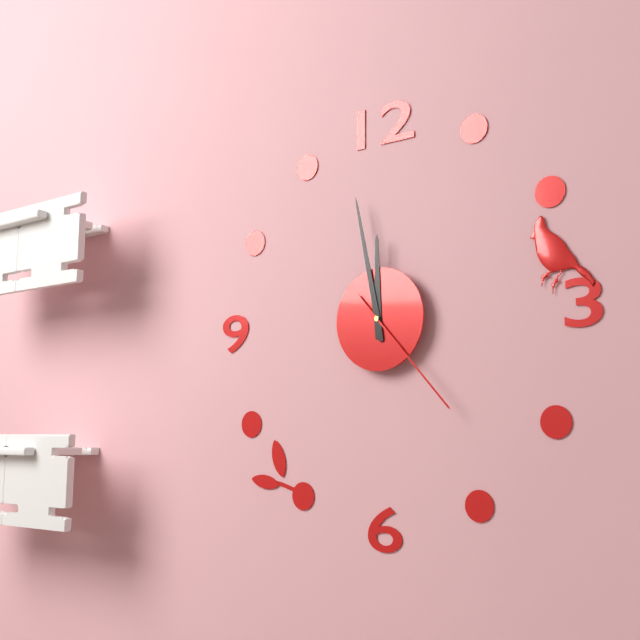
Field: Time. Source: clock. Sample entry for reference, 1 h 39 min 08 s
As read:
11 h 58 min 23 s
